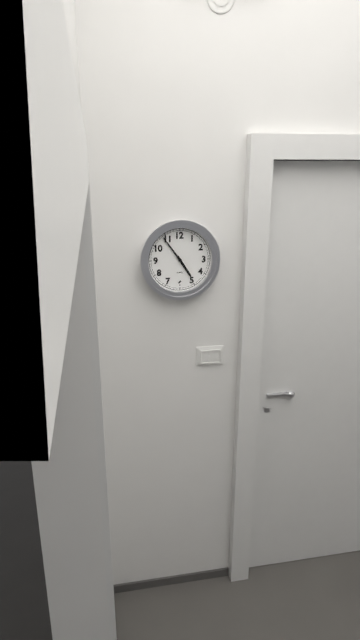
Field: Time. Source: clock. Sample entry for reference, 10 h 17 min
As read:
4 h 54 min
